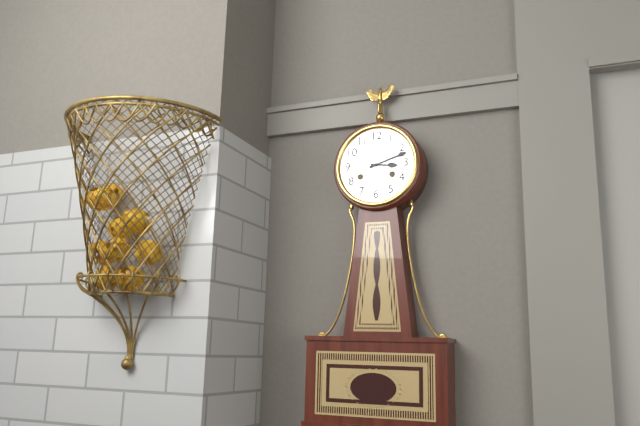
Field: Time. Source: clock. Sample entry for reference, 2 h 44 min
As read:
3 h 12 min
